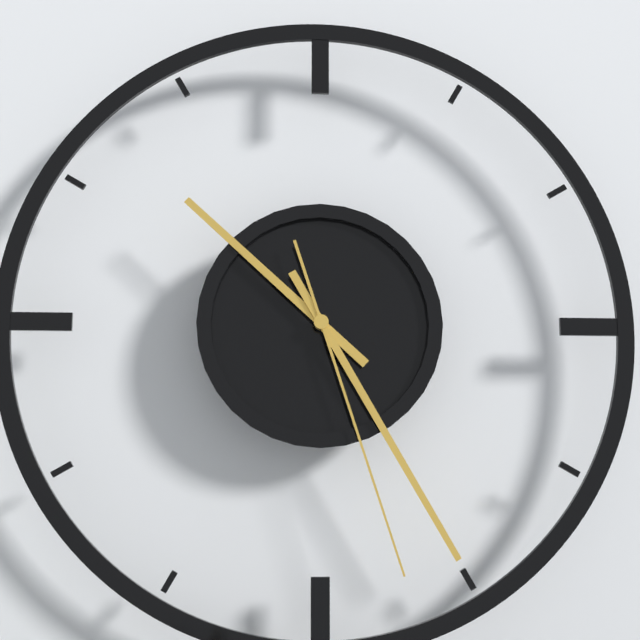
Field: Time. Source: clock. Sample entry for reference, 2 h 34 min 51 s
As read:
10 h 25 min 27 s
